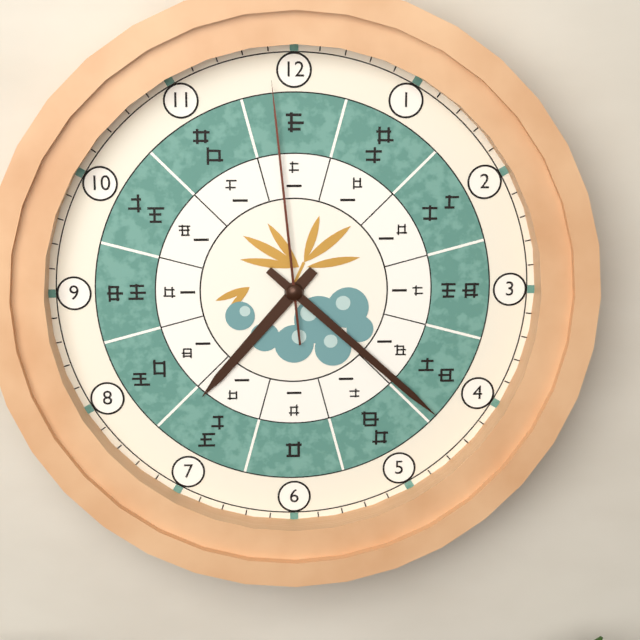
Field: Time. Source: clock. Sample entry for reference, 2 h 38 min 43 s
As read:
7 h 22 min 59 s
